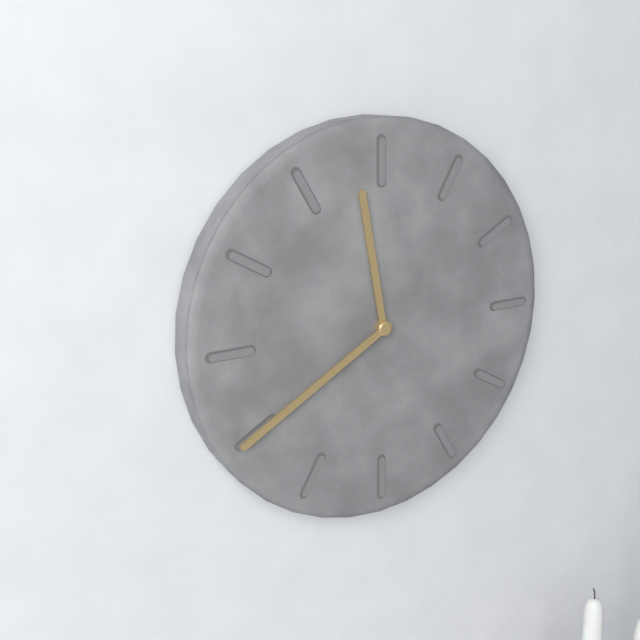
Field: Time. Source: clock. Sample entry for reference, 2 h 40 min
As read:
11 h 40 min
